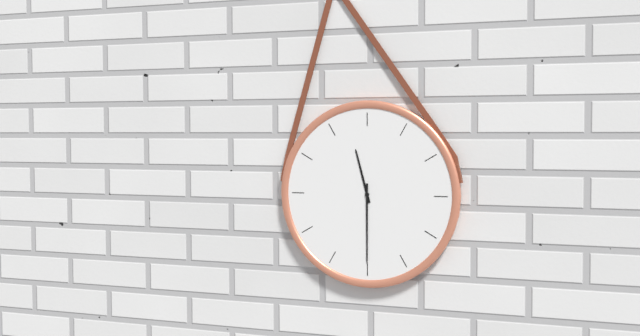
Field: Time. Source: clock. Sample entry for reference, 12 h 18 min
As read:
11 h 30 min
